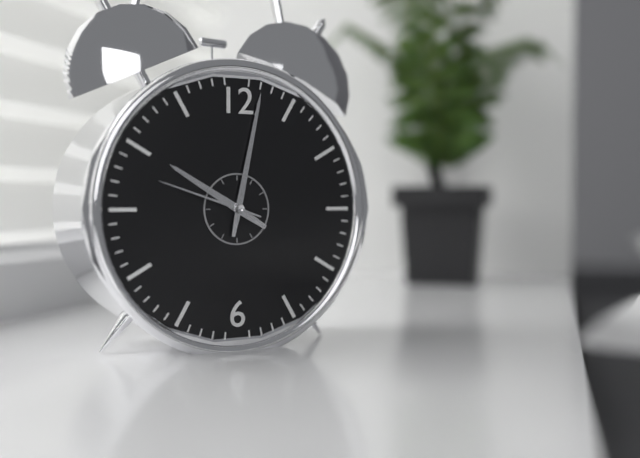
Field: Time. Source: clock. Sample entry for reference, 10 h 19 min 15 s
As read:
10 h 02 min 48 s
